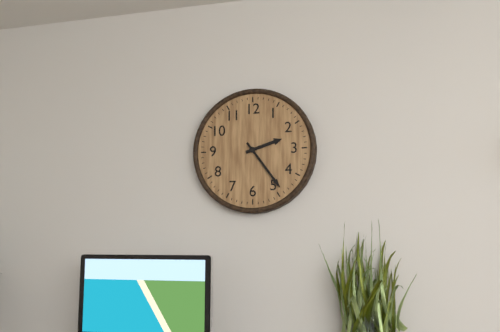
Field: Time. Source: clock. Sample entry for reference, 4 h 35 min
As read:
2 h 24 min
